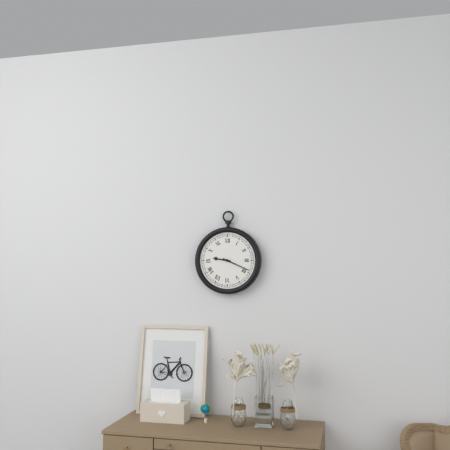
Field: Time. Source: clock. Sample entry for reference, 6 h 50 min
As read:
9 h 19 min
